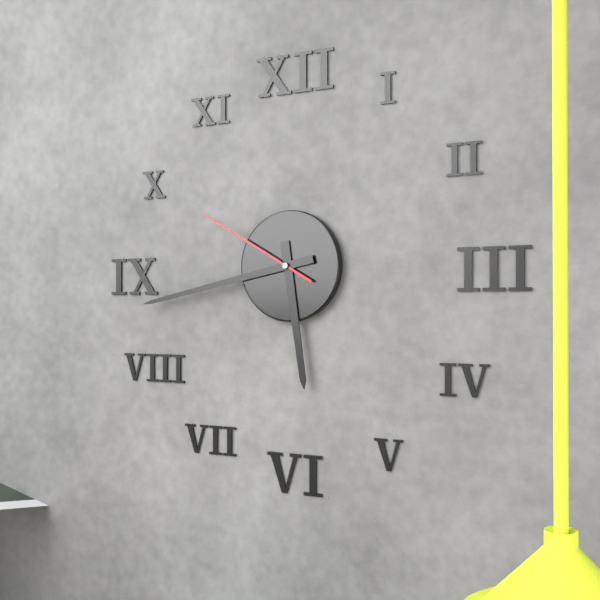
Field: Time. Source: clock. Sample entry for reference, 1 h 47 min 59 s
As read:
5 h 43 min 50 s
